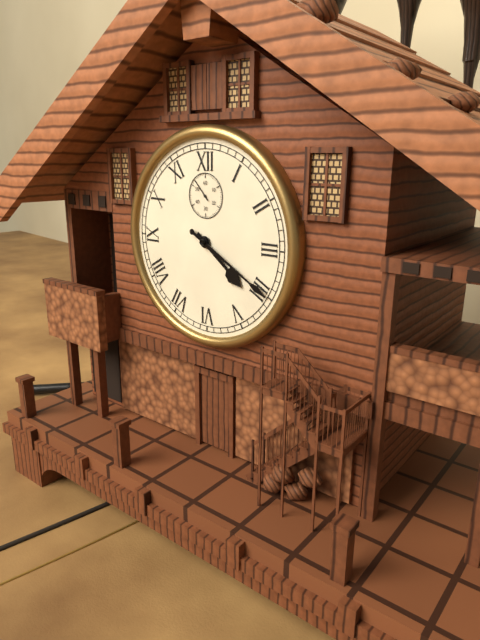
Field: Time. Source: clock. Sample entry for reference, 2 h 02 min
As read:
4 h 20 min
